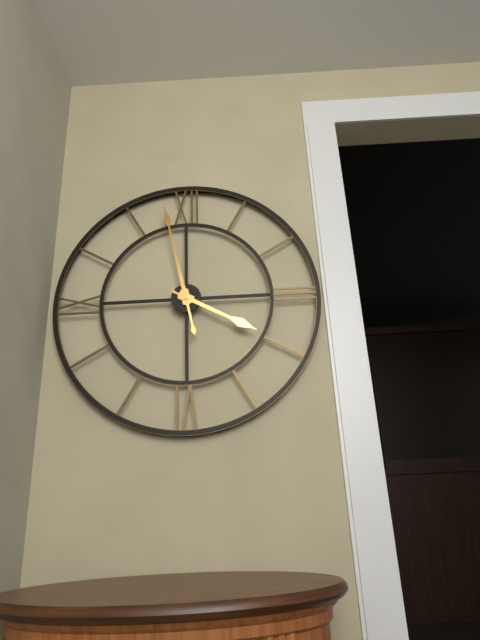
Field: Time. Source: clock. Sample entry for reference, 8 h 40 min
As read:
3 h 58 min
